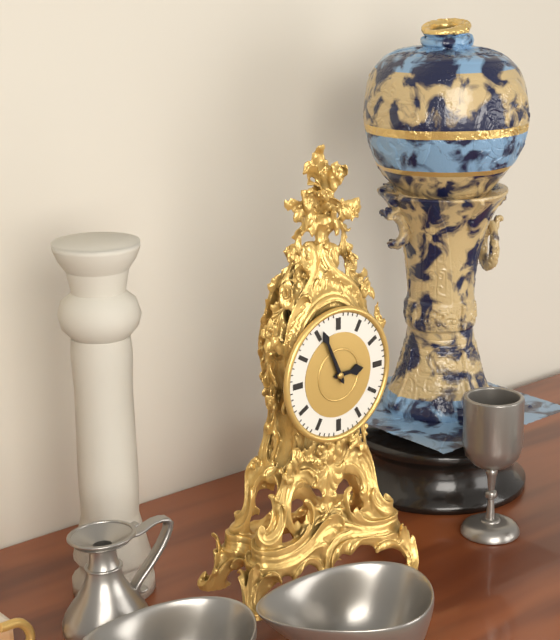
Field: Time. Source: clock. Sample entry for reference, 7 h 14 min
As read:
2 h 56 min
